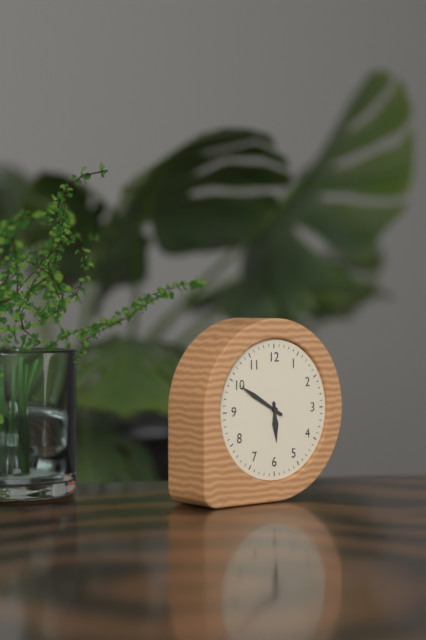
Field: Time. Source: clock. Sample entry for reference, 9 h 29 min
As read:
5 h 50 min
